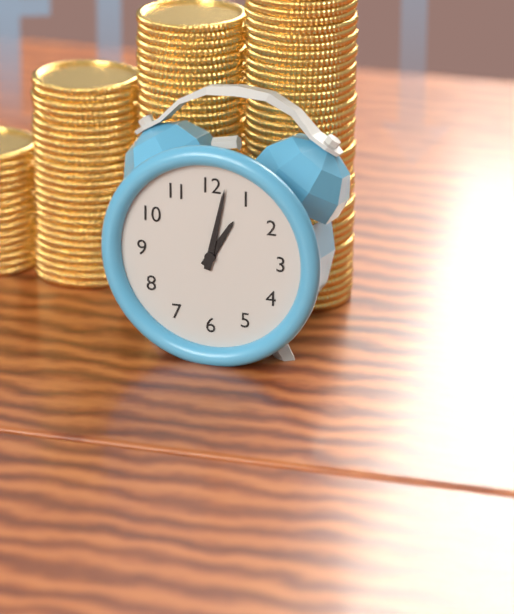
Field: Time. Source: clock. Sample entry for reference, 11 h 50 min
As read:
1 h 02 min
